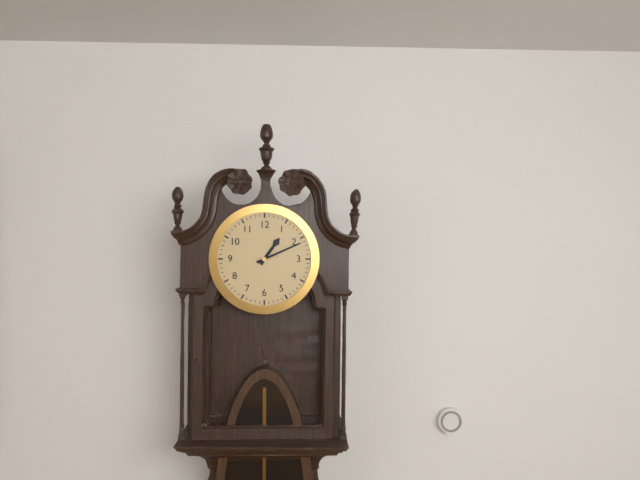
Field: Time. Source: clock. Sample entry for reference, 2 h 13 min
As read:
1 h 11 min
